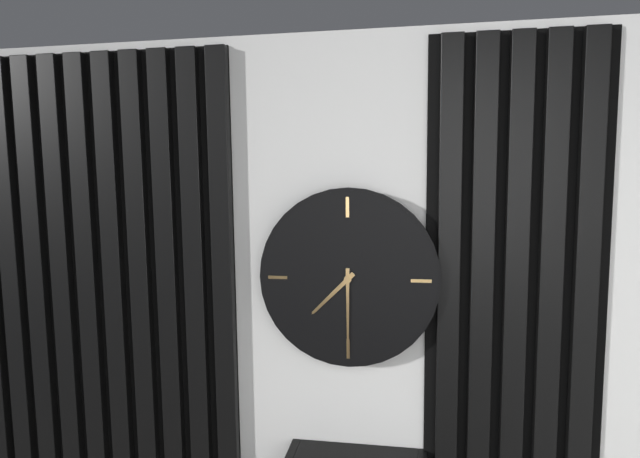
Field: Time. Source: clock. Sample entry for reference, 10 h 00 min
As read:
7 h 30 min
